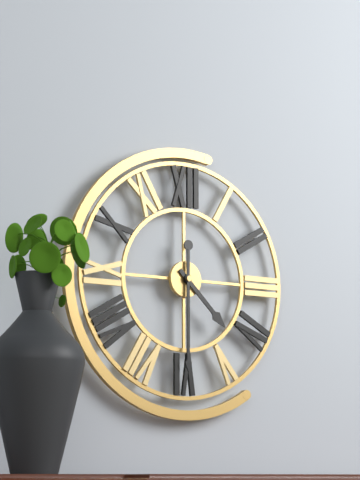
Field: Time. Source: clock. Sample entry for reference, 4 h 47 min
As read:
4 h 30 min
